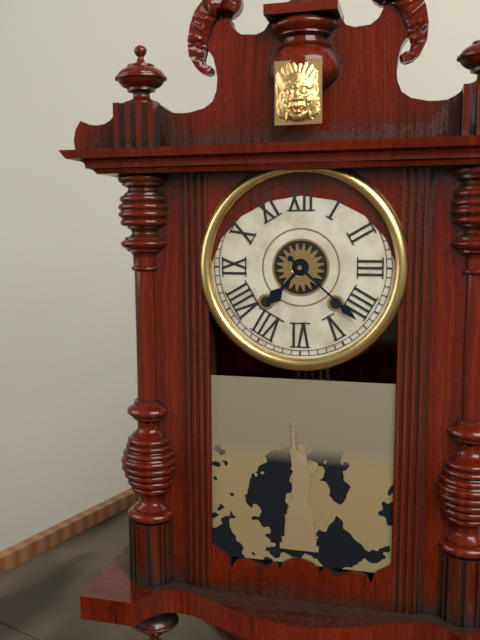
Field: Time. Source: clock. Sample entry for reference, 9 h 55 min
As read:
7 h 22 min
